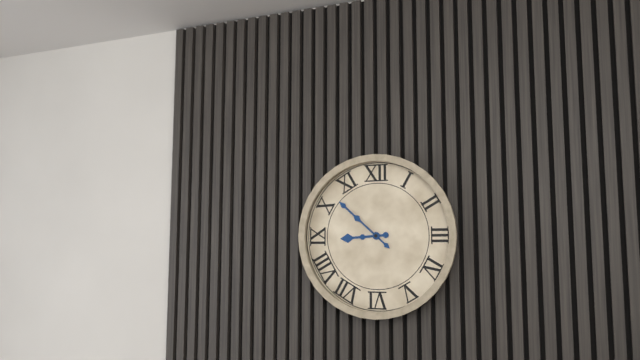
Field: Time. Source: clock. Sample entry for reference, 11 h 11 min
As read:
8 h 52 min
